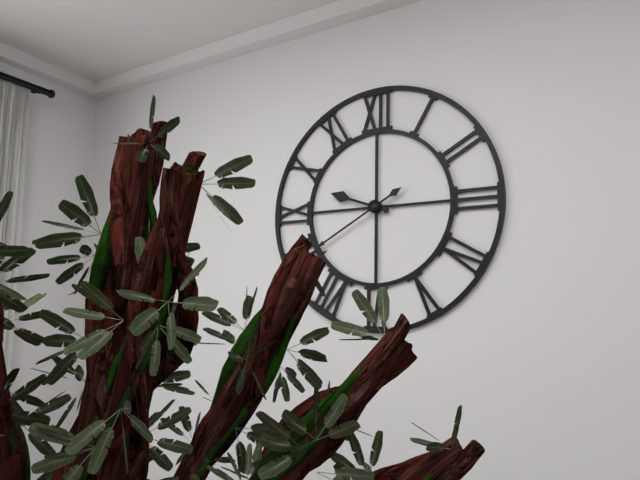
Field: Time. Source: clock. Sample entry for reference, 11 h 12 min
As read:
9 h 40 min
